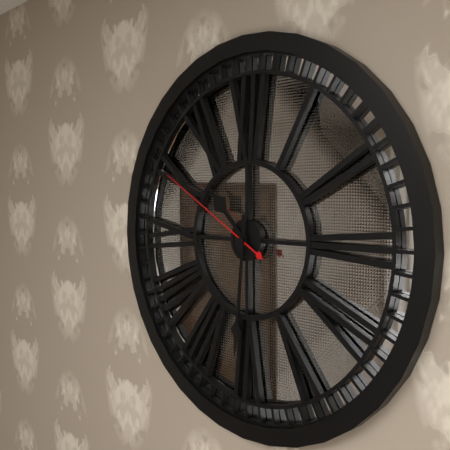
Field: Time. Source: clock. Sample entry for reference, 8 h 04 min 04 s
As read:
10 h 31 min 50 s
